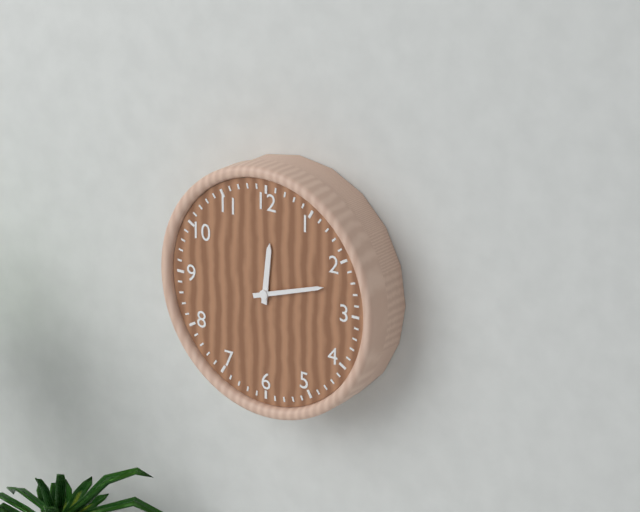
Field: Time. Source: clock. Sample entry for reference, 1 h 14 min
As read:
12 h 12 min
